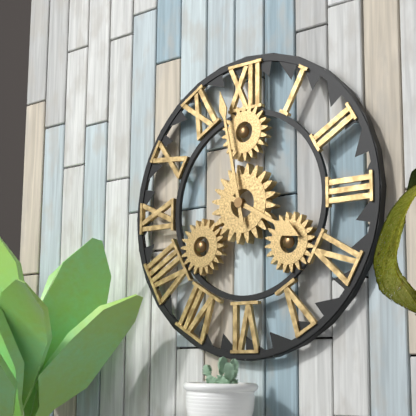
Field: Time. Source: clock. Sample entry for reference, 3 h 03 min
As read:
3 h 58 min
